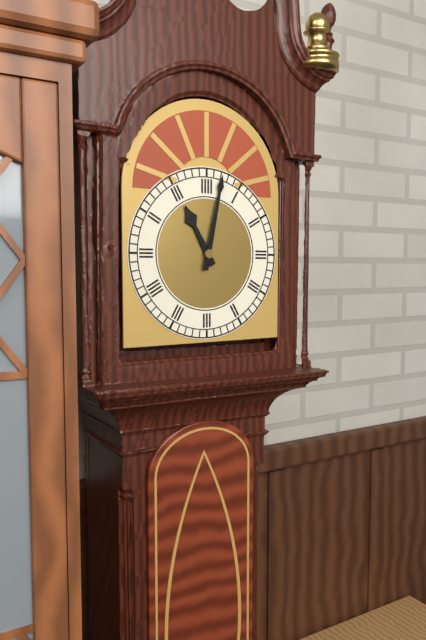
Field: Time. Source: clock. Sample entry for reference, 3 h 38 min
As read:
11 h 02 min
